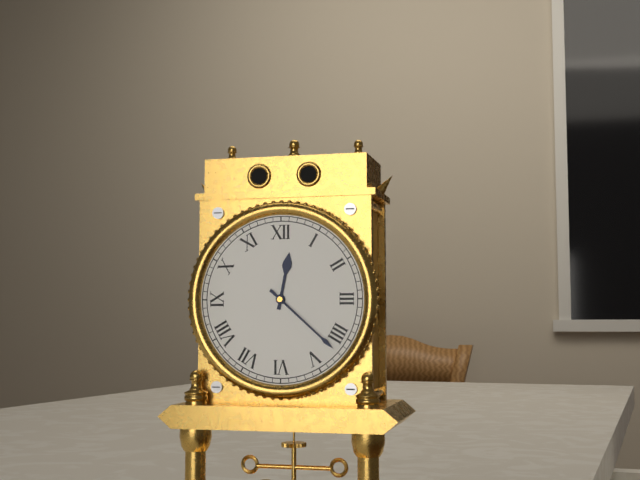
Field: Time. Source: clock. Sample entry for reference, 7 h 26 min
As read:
12 h 22 min
